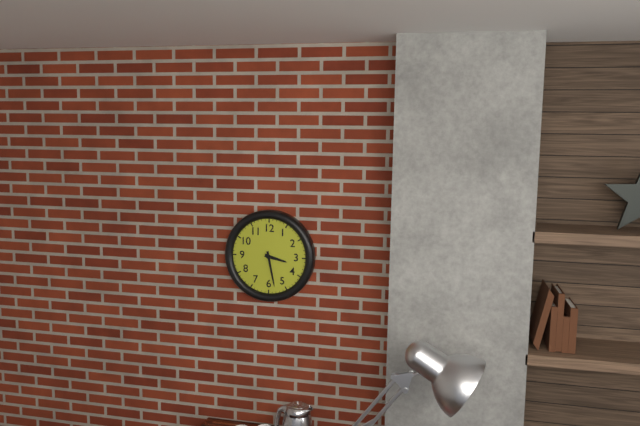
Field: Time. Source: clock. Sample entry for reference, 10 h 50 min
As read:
3 h 28 min
